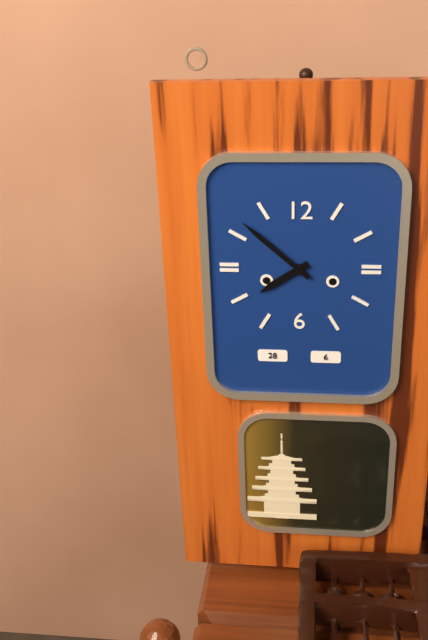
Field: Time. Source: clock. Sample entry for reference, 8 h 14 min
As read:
7 h 52 min
